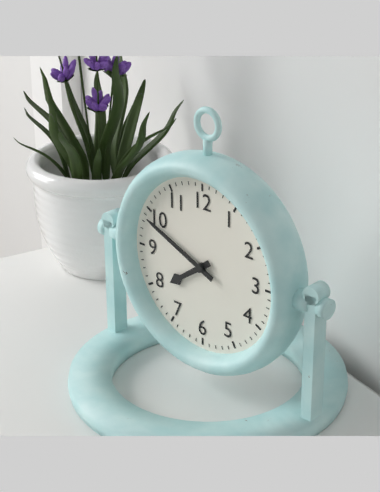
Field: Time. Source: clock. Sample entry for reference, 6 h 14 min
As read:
7 h 49 min
